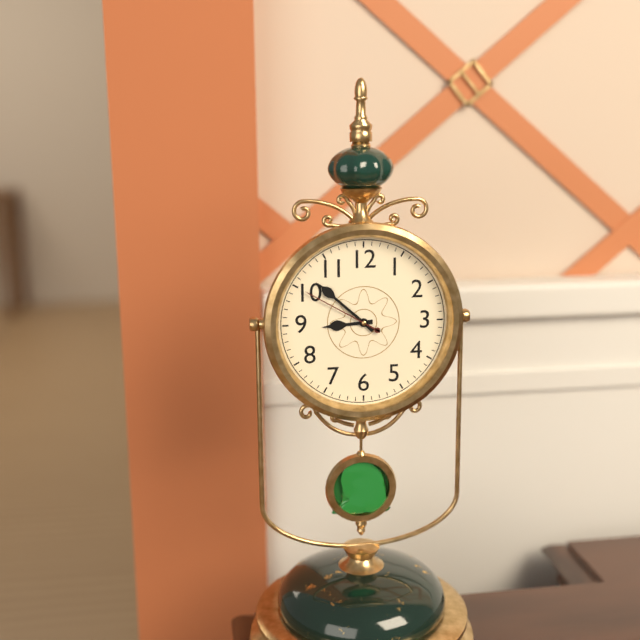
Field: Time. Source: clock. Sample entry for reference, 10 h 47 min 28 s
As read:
8 h 52 min 50 s
